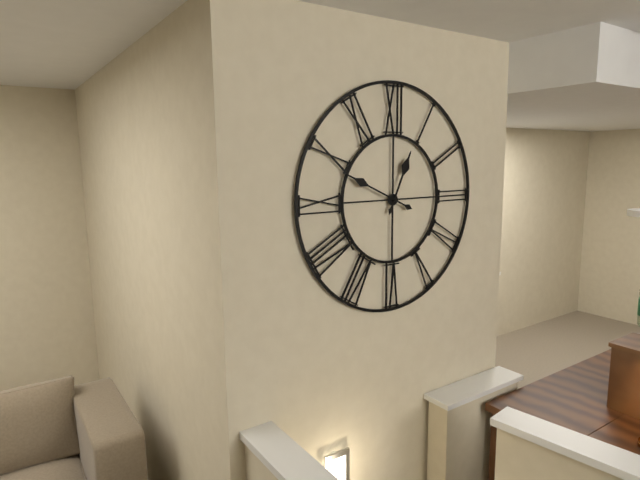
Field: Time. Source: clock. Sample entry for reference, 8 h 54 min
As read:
12 h 49 min
